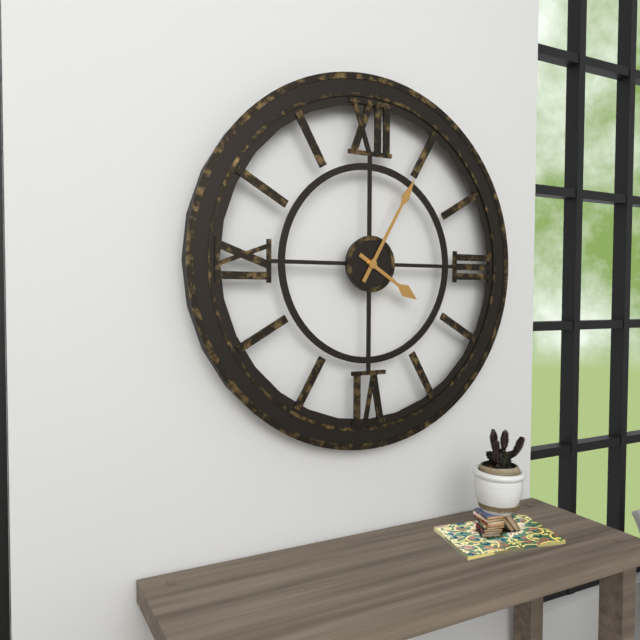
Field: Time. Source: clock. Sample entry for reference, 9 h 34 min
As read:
4 h 05 min
